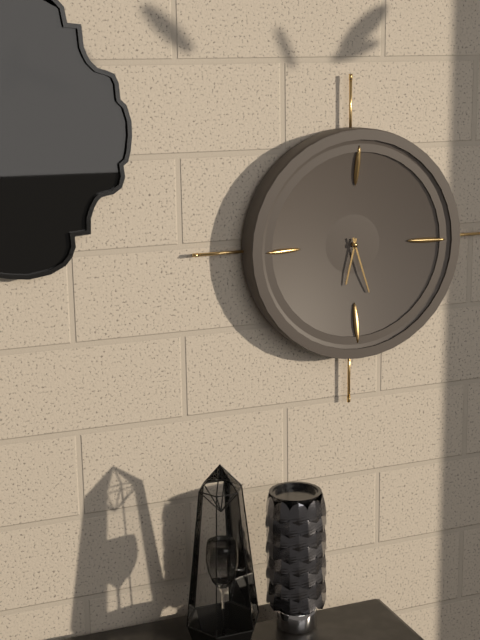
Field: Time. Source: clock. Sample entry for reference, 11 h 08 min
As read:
6 h 27 min
